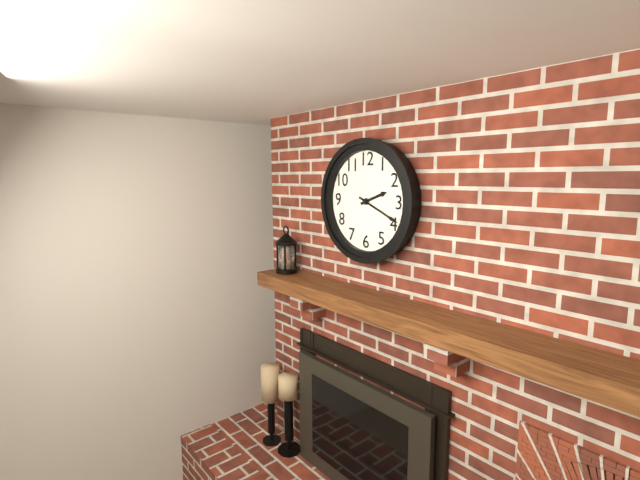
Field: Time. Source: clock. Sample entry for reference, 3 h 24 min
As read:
2 h 19 min
